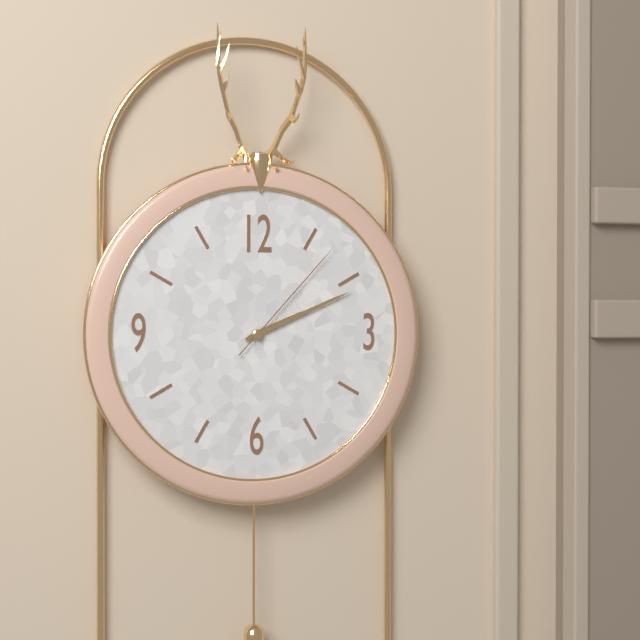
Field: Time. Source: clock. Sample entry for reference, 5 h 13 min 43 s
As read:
2 h 11 min 07 s
